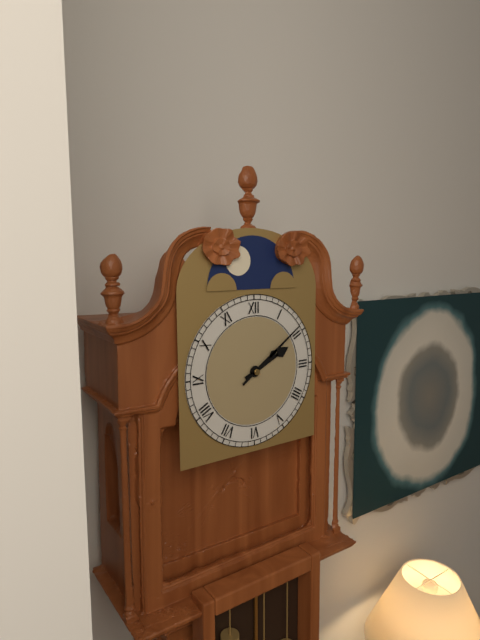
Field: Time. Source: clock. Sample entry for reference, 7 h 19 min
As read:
2 h 09 min
